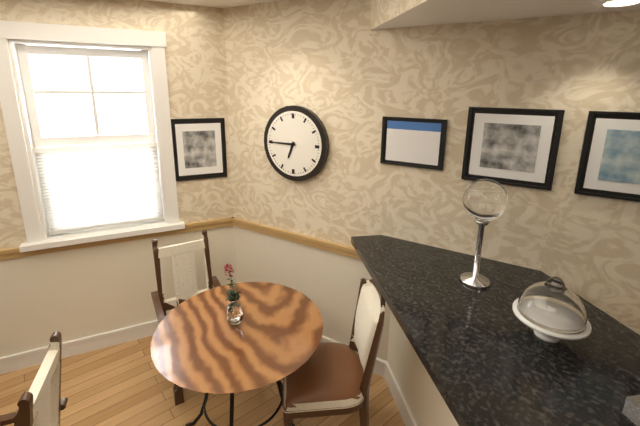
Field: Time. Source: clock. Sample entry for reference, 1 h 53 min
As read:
6 h 45 min
